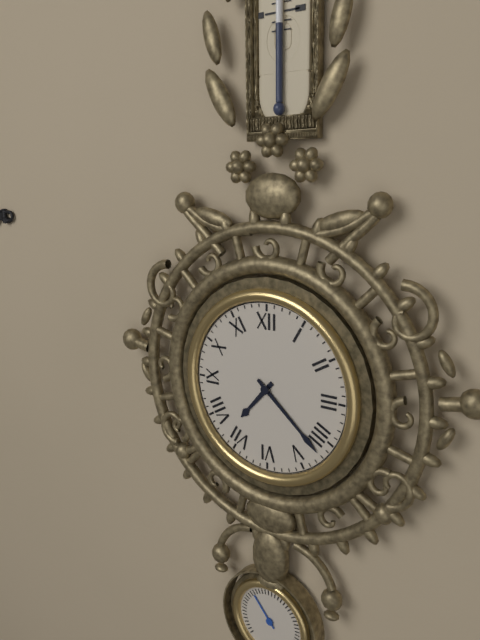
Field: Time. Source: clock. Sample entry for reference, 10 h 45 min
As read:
7 h 22 min
